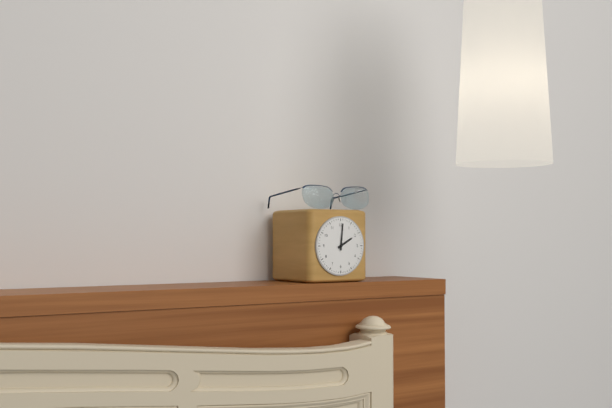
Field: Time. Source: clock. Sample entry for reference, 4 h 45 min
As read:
2 h 01 min
